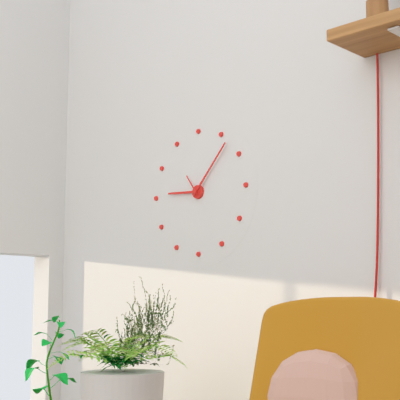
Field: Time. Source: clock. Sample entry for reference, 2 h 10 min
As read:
9 h 07 min
